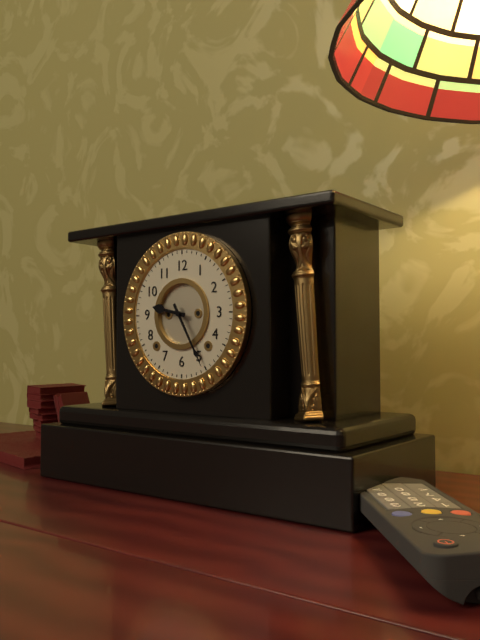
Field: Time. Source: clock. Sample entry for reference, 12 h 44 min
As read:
9 h 25 min
